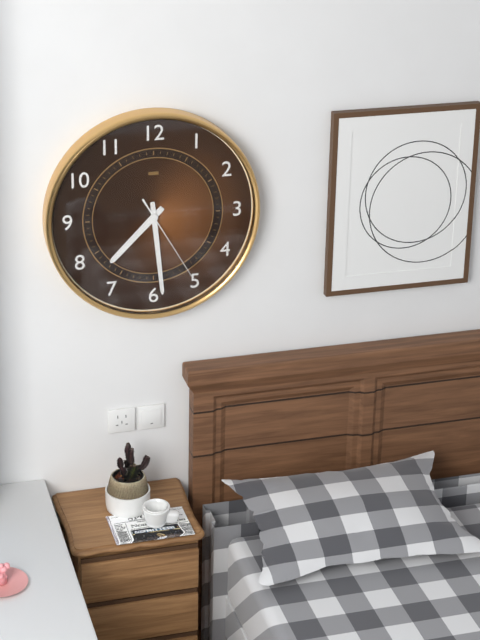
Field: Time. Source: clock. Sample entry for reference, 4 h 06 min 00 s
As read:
7 h 29 min 25 s
